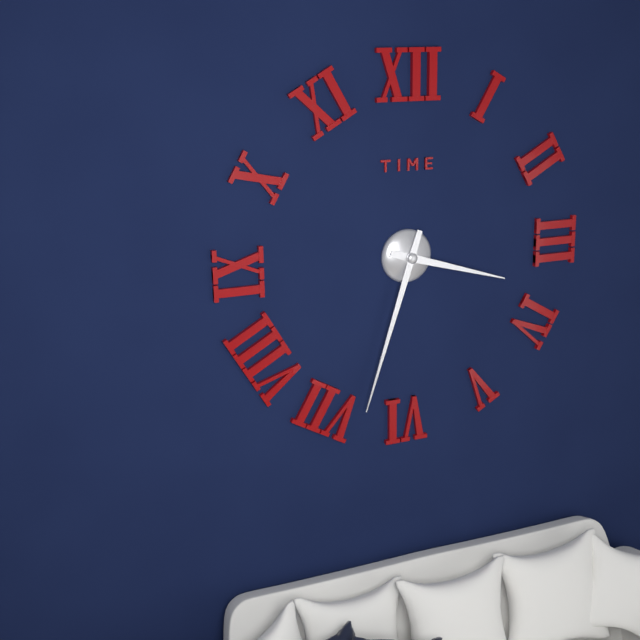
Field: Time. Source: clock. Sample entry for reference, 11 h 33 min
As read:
3 h 33 min
